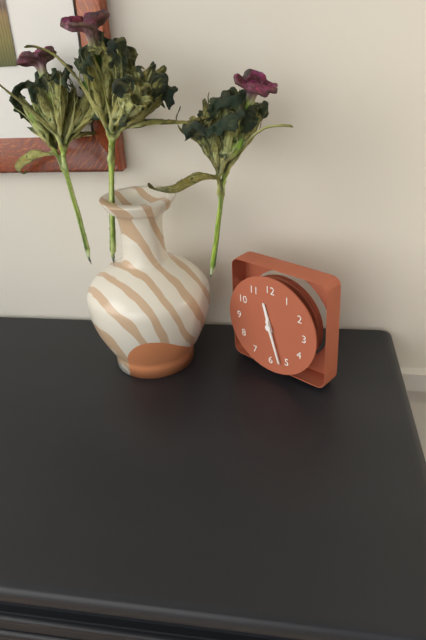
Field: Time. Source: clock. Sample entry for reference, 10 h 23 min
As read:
11 h 27 min
